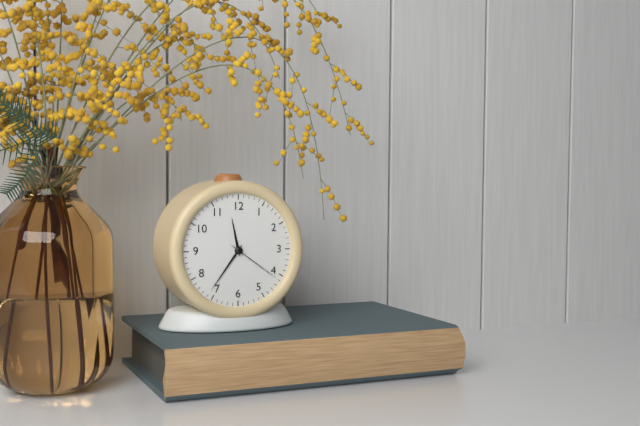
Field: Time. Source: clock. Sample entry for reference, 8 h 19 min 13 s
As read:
11 h 36 min 21 s
